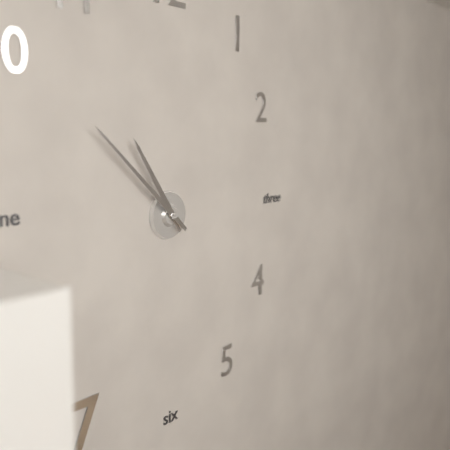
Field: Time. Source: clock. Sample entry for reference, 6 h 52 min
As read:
10 h 52 min
